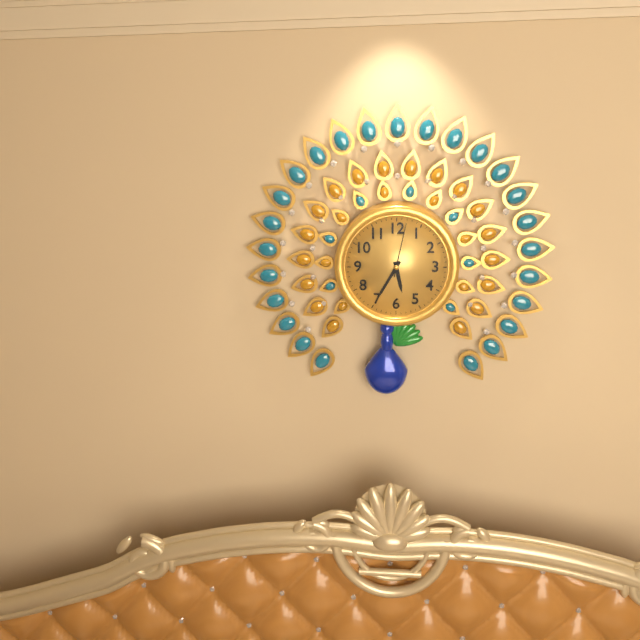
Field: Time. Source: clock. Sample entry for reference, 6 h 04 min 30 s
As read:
5 h 35 min 02 s
